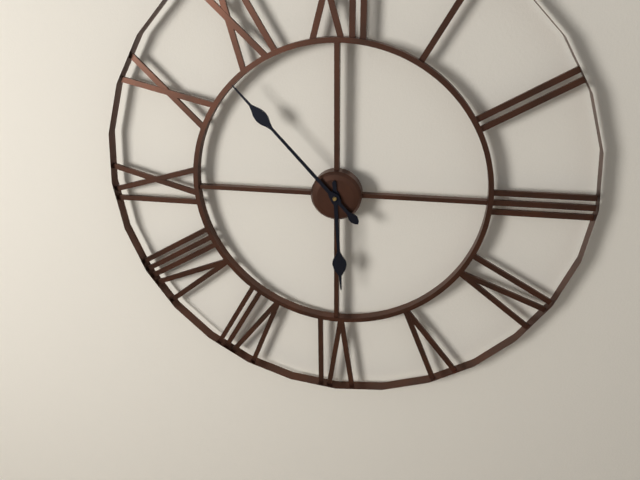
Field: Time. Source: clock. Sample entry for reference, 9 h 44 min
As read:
5 h 53 min
